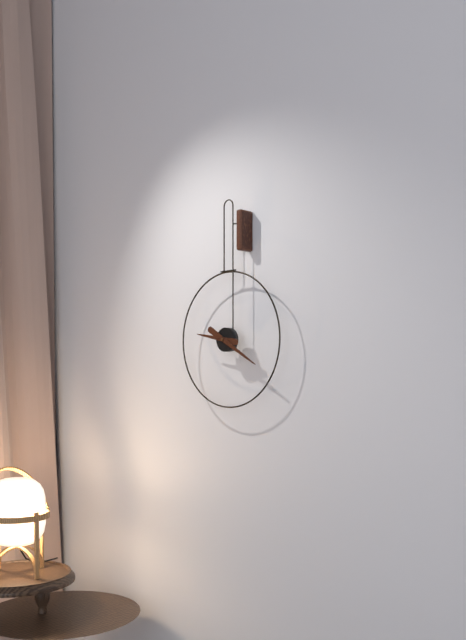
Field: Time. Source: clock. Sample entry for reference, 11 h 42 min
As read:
9 h 20 min
